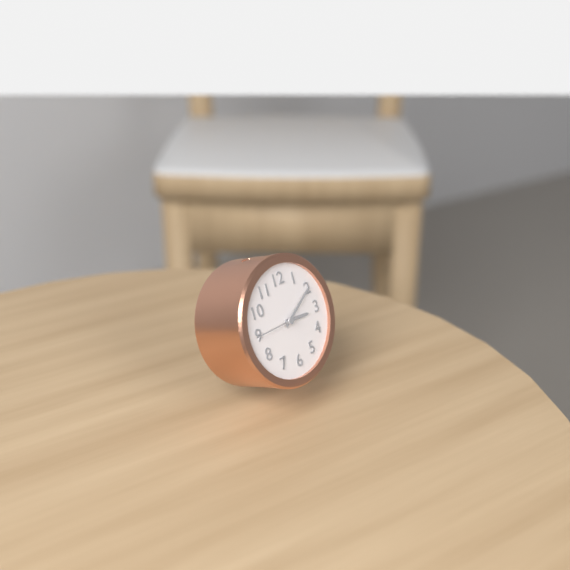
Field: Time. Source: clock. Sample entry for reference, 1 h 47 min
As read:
3 h 10 min
